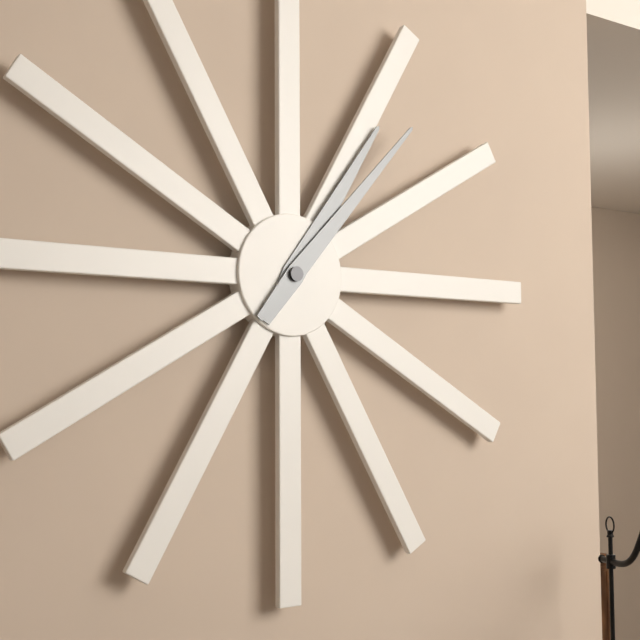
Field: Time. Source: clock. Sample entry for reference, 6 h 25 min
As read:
1 h 07 min
